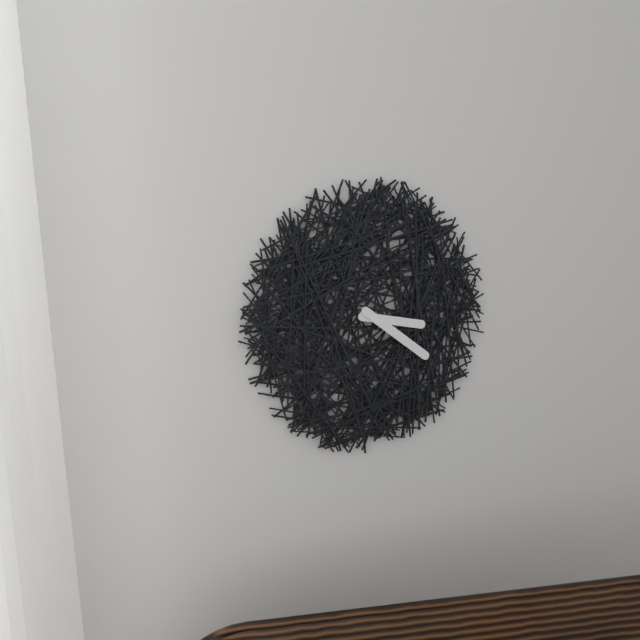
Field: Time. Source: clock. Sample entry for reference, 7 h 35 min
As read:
3 h 21 min
